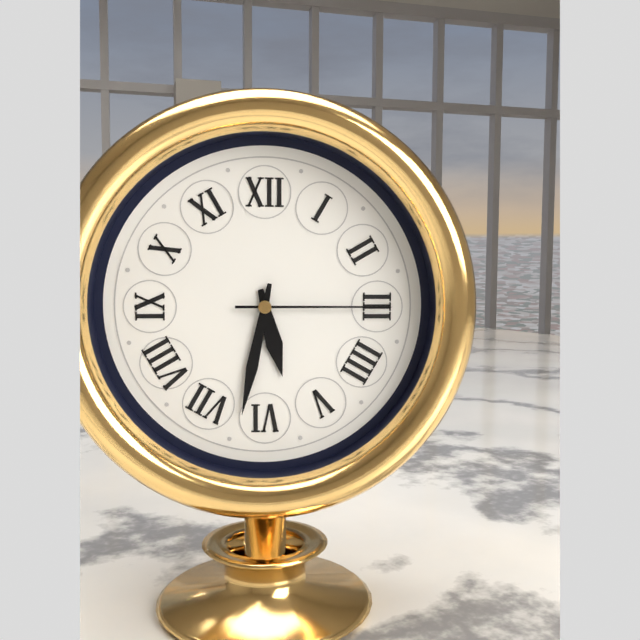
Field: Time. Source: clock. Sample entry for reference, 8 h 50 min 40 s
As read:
5 h 32 min 15 s
